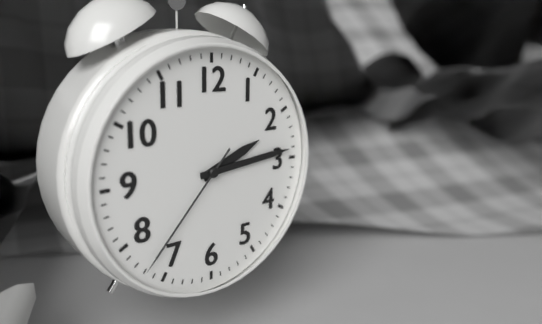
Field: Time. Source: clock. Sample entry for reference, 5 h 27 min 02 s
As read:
2 h 14 min 37 s
